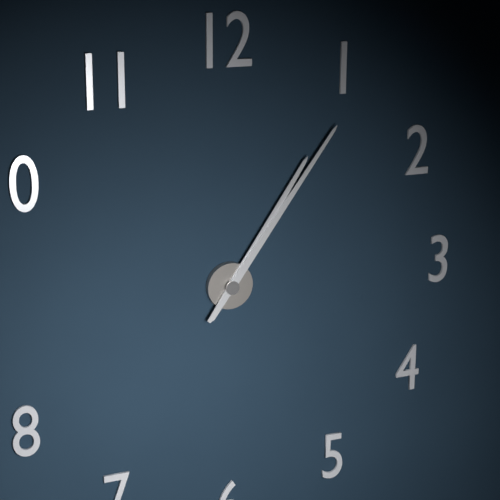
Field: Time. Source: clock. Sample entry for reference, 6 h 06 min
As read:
1 h 06 min
